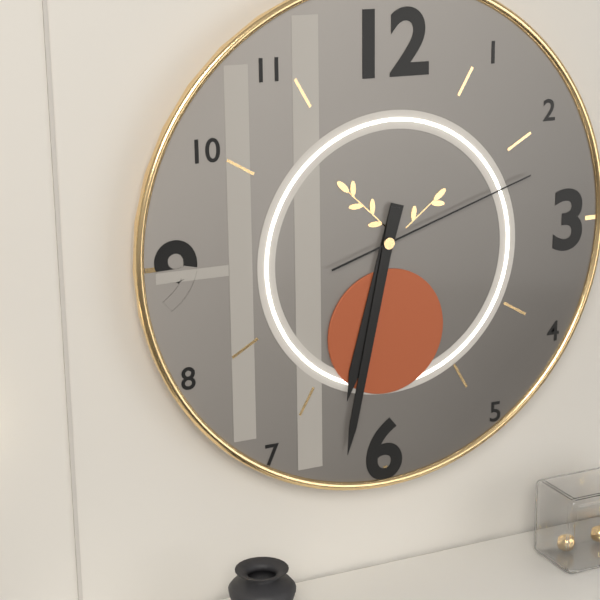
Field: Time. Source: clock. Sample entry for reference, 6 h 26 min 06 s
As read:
6 h 32 min 12 s
